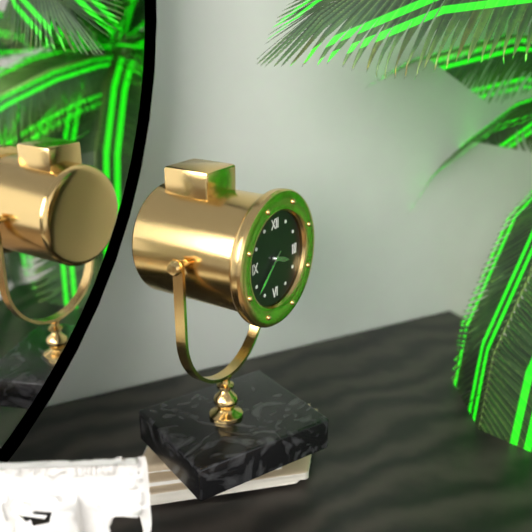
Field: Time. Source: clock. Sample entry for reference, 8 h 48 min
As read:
3 h 38 min
